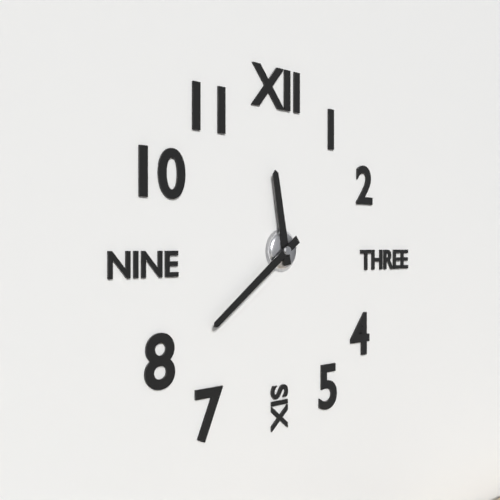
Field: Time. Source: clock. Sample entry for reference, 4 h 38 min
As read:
11 h 39 min
